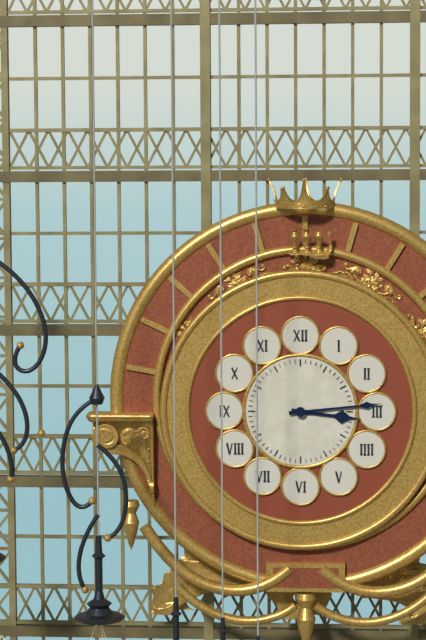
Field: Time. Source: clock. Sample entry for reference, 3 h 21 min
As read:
3 h 14 min
